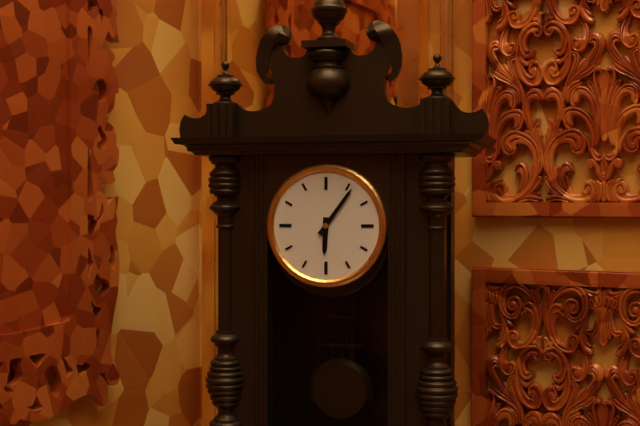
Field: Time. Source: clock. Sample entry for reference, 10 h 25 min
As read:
6 h 06 min
